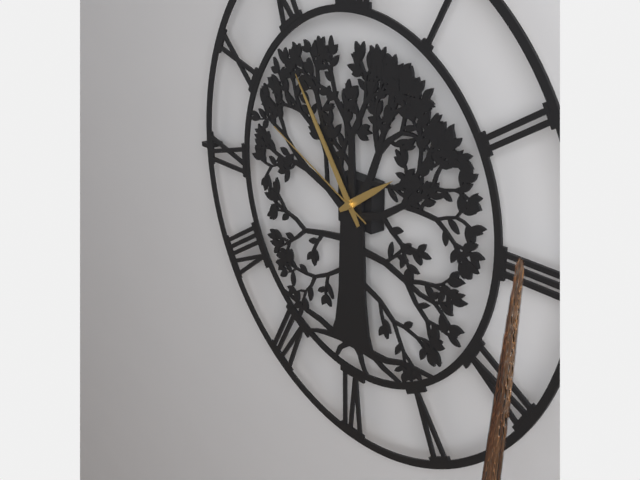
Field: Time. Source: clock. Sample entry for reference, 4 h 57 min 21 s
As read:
1 h 54 min 49 s
